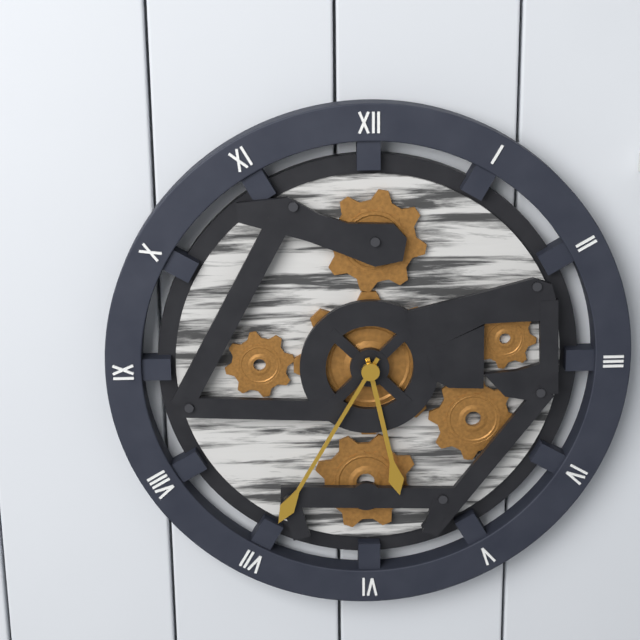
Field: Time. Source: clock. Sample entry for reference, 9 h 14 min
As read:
5 h 35 min
